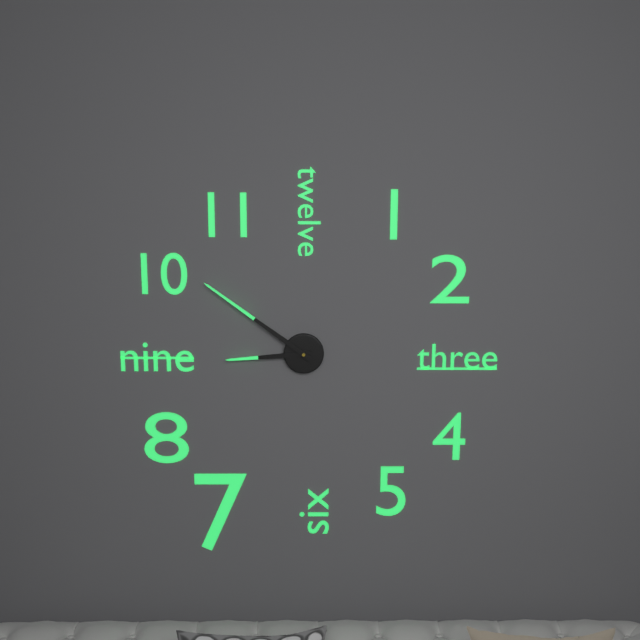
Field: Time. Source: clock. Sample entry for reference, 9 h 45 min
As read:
8 h 51 min
